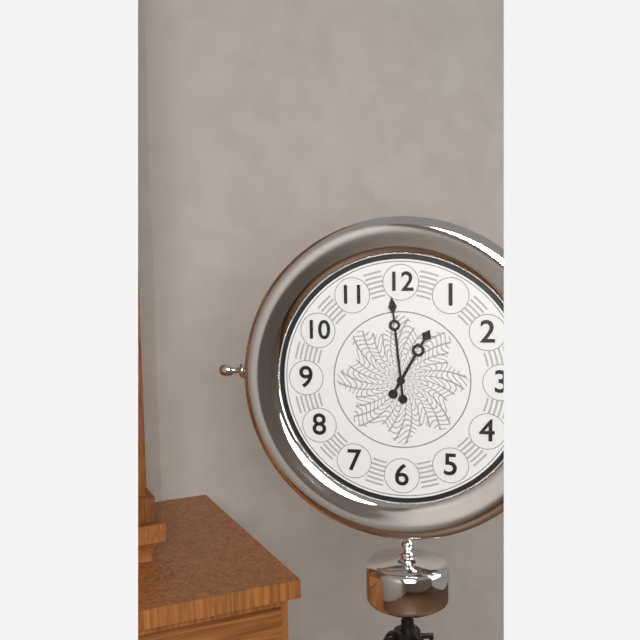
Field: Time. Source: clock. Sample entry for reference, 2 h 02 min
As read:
12 h 59 min
